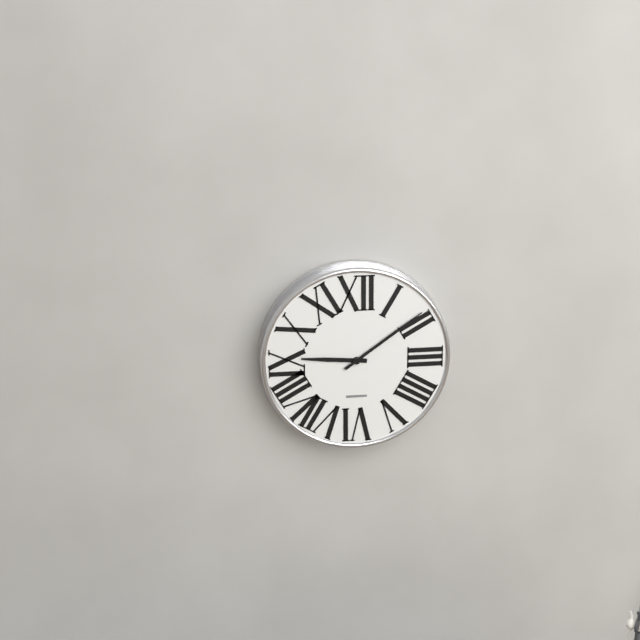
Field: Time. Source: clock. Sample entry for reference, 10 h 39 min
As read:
9 h 09 min
